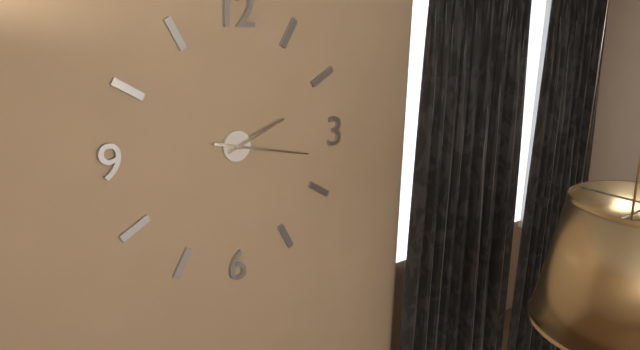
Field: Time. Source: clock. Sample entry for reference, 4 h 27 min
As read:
2 h 17 min
